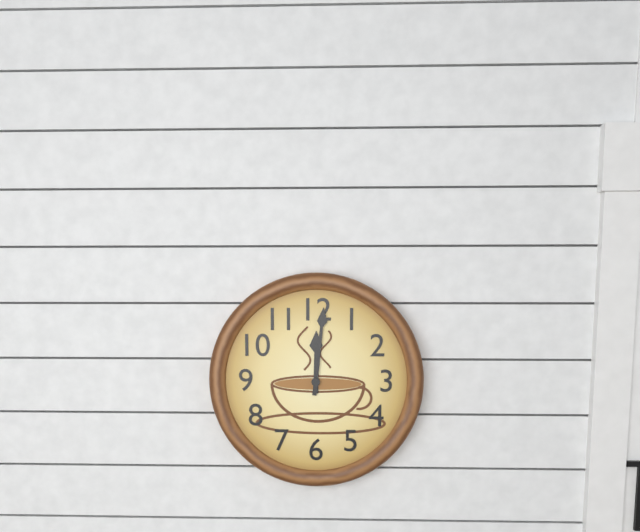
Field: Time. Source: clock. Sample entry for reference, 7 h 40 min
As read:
12 h 01 min
